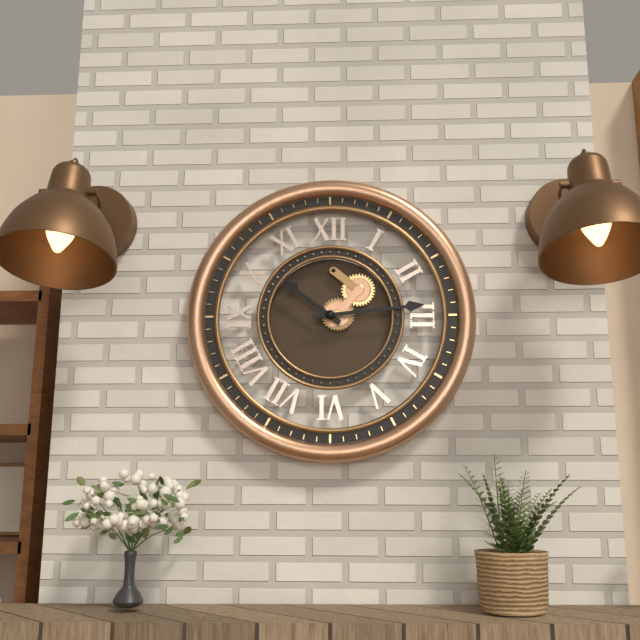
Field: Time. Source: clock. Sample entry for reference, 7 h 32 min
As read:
10 h 14 min
